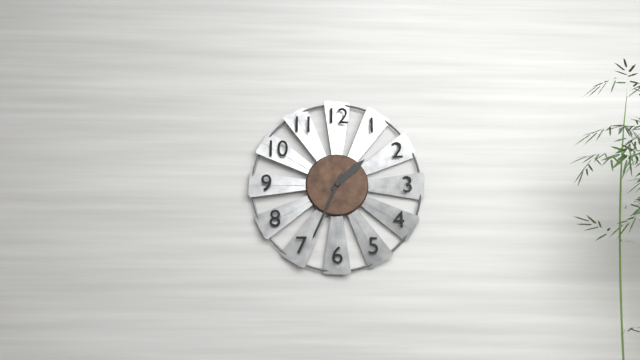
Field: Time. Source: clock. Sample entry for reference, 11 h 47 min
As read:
1 h 34 min
